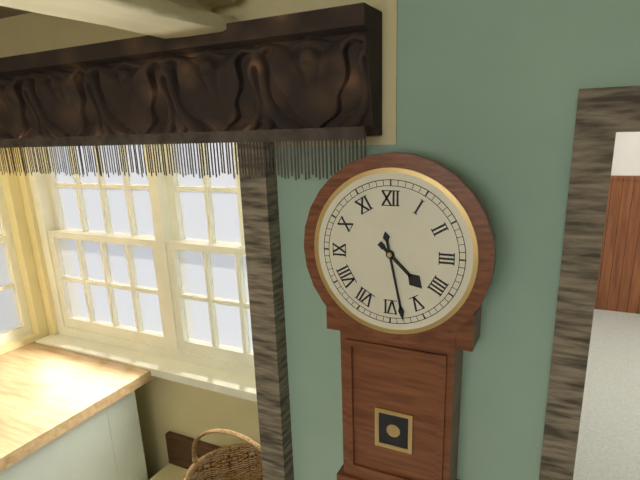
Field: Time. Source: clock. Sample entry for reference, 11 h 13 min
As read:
4 h 28 min
